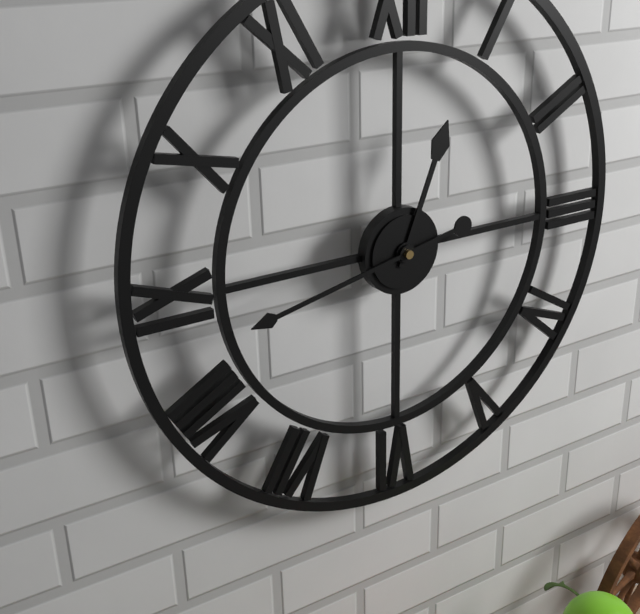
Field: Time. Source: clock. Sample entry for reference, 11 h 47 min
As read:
12 h 43 min
